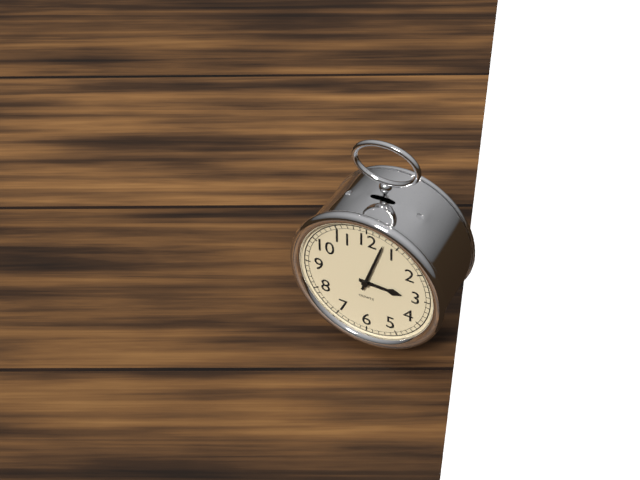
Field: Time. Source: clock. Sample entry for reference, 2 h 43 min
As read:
3 h 03 min
